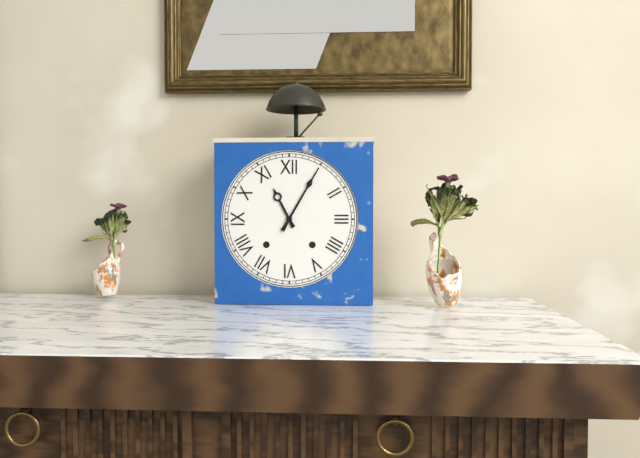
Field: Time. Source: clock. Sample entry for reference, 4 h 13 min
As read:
11 h 05 min
